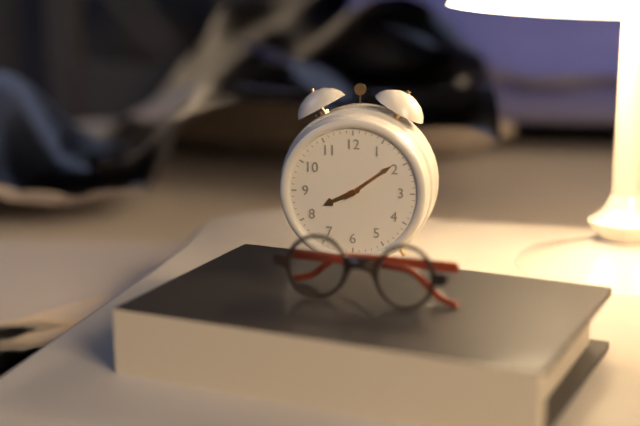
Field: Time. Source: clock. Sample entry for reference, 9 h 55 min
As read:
8 h 09 min
